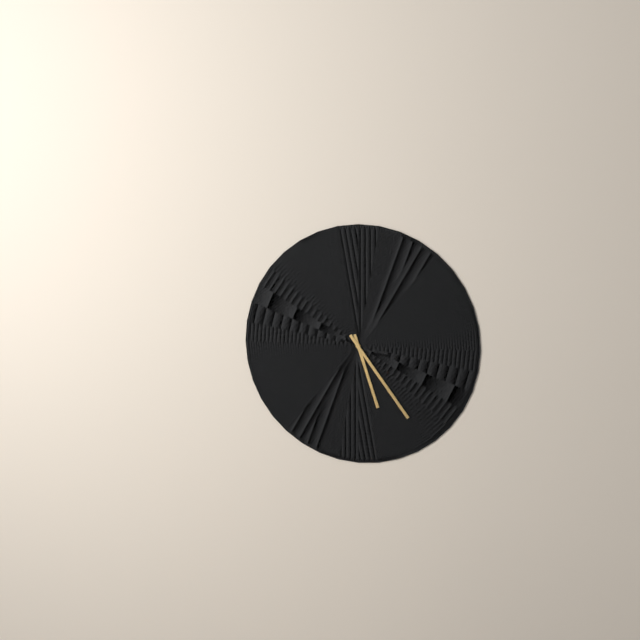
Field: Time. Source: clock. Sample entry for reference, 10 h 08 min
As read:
5 h 24 min
